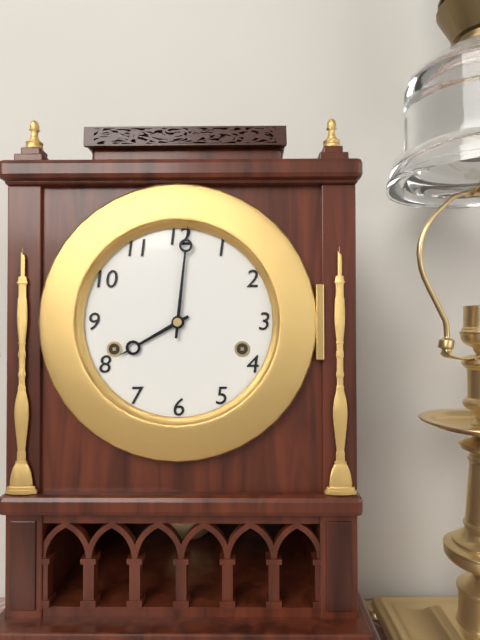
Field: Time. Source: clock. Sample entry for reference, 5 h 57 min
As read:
8 h 01 min
